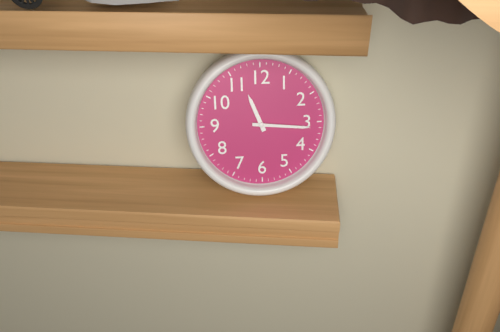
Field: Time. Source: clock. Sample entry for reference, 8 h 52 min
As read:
11 h 16 min
